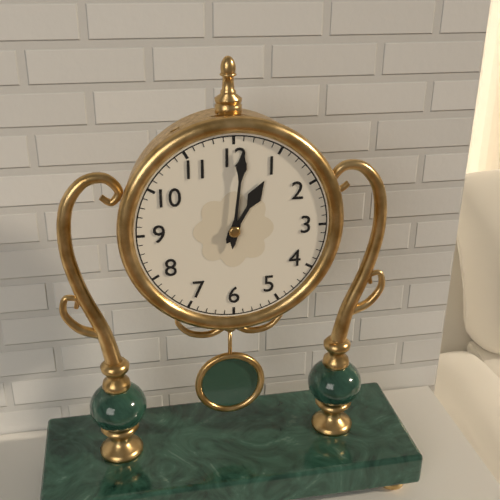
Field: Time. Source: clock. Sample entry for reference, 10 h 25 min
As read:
1 h 01 min
